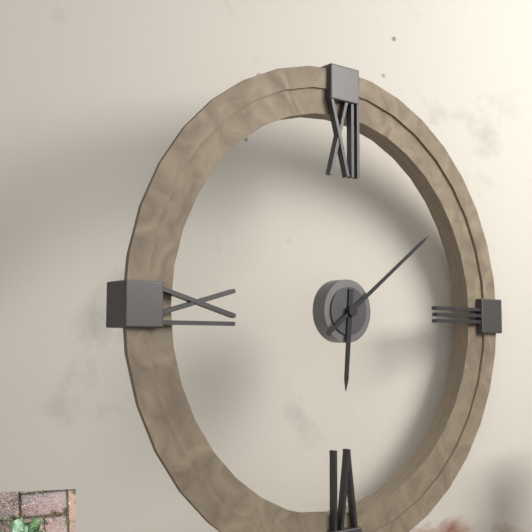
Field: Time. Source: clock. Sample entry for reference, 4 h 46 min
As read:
6 h 09 min
